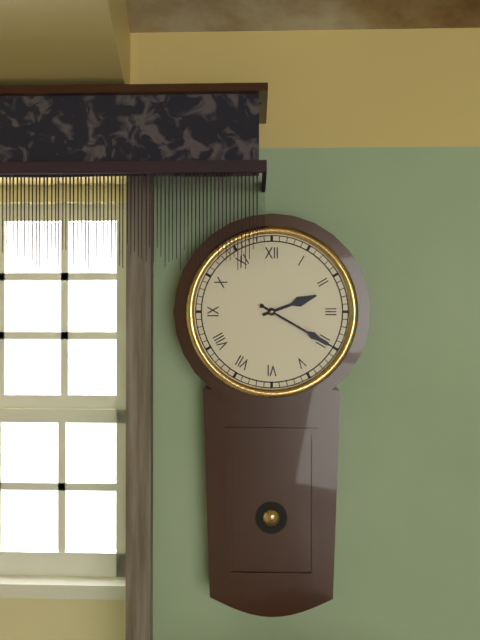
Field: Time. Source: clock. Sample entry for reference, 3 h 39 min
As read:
2 h 20 min
